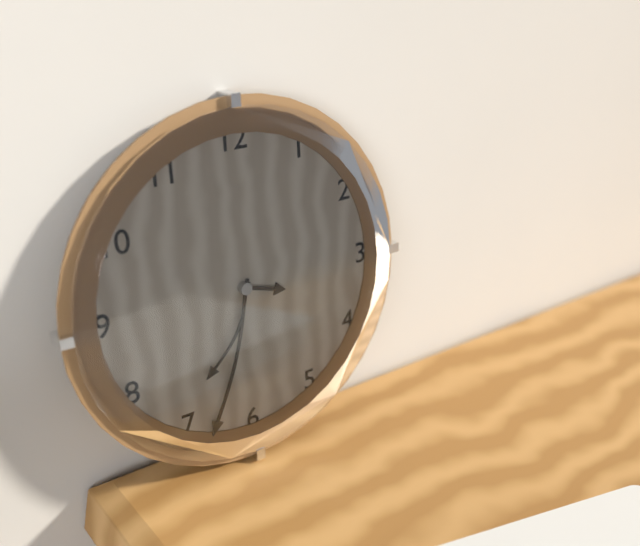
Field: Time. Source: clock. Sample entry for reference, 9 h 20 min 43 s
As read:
3 h 33 min 35 s
